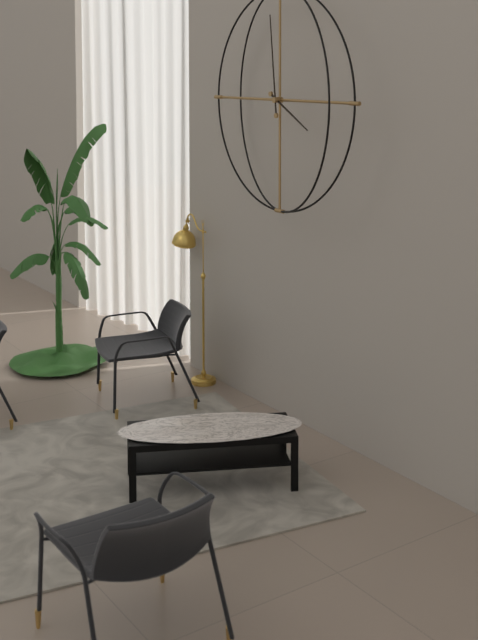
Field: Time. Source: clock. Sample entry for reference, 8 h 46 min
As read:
3 h 59 min
